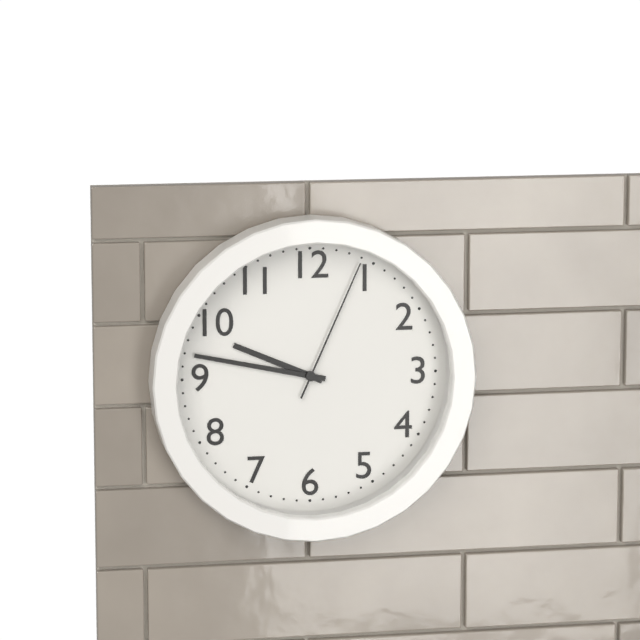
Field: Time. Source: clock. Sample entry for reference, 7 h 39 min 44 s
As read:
9 h 47 min 04 s
